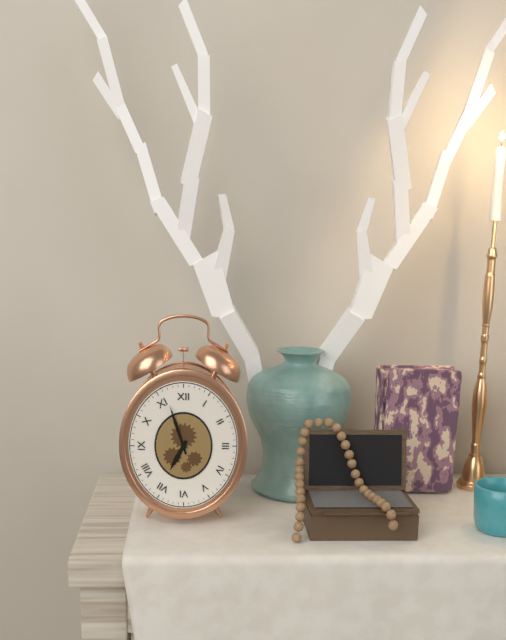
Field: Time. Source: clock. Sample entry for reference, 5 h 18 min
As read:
6 h 57 min
